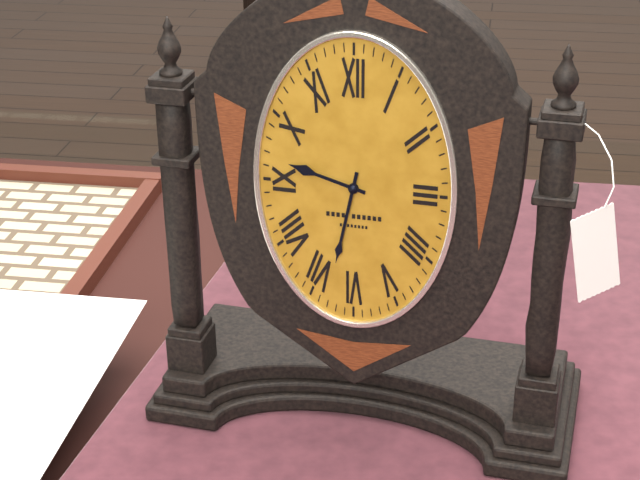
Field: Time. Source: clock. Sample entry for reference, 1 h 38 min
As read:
9 h 32 min
